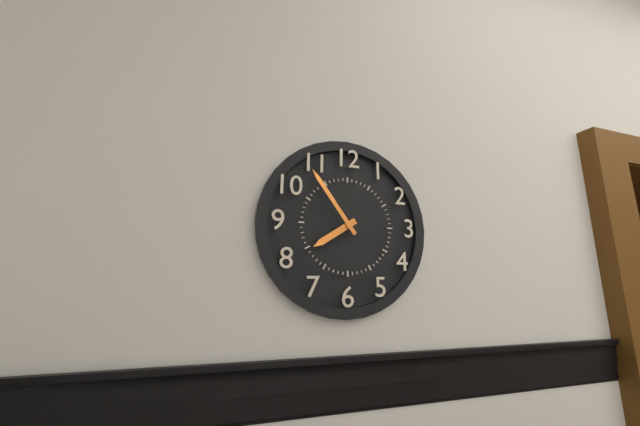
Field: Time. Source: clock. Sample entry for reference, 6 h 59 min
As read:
7 h 54 min
